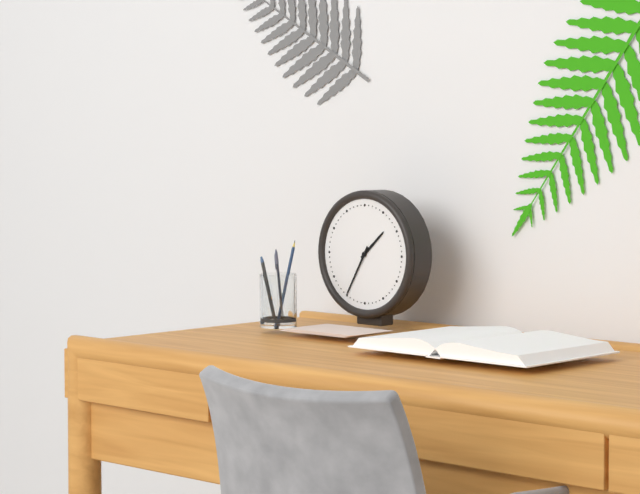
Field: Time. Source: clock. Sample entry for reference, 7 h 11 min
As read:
1 h 35 min
